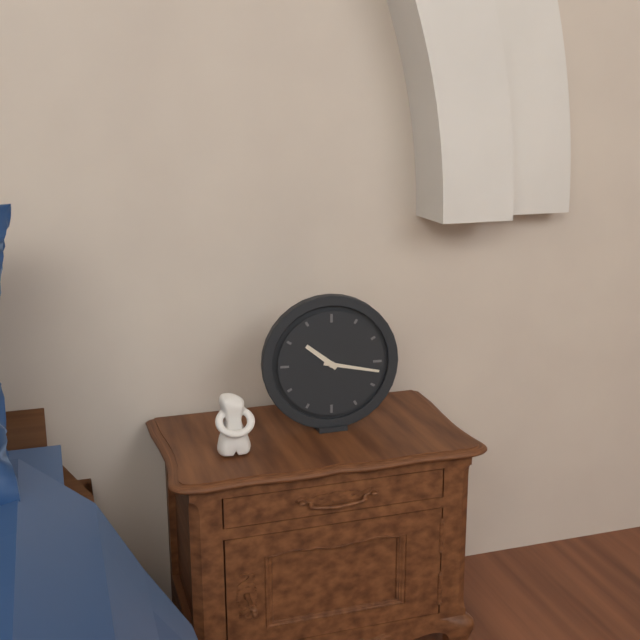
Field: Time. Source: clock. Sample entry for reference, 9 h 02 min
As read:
10 h 17 min
